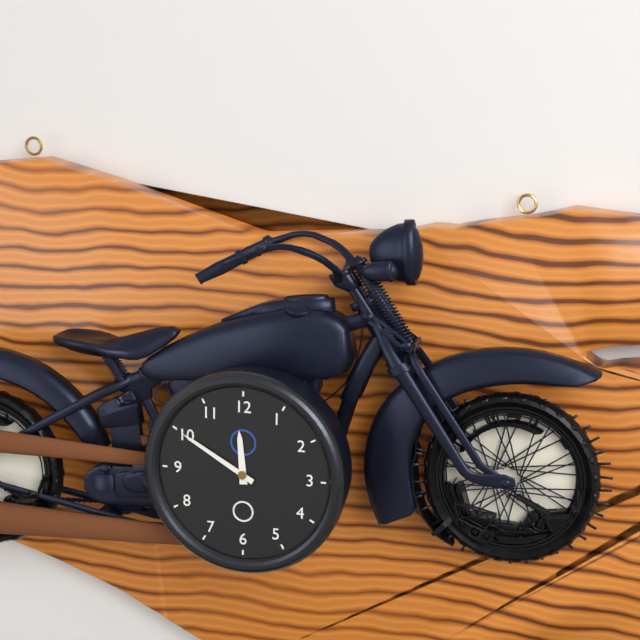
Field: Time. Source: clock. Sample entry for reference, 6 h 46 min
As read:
11 h 50 min
